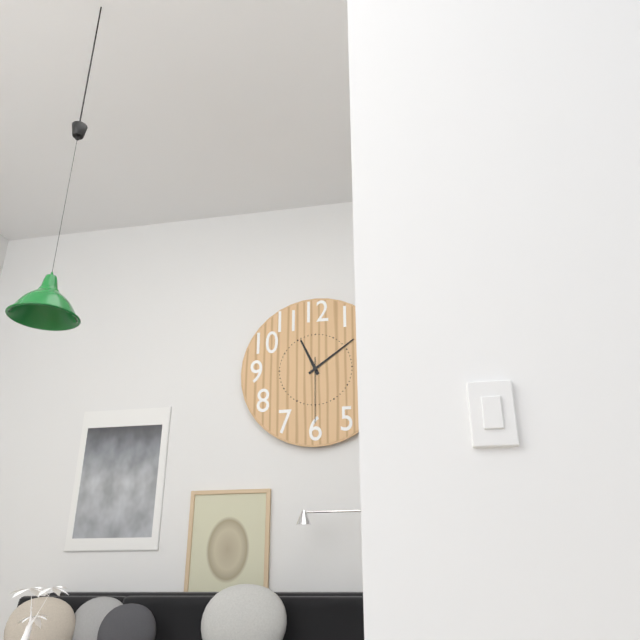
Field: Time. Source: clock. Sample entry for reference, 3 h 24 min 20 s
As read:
11 h 09 min 30 s
